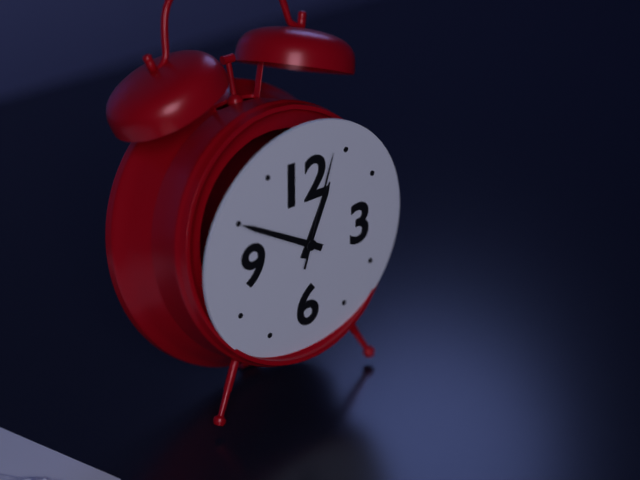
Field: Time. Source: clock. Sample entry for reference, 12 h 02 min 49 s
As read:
12 h 50 min 03 s
